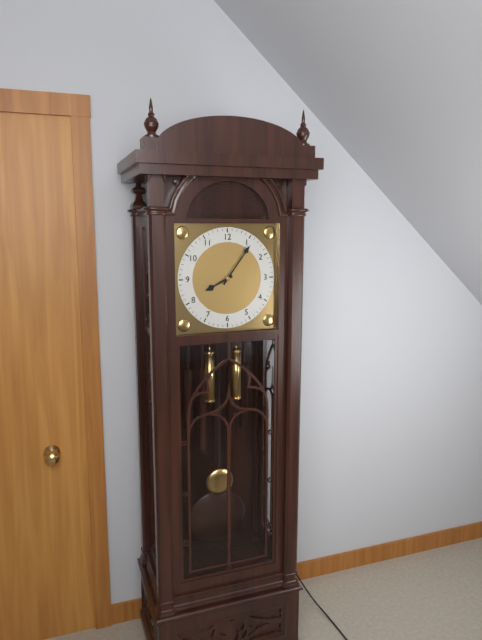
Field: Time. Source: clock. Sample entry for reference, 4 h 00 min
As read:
8 h 06 min
